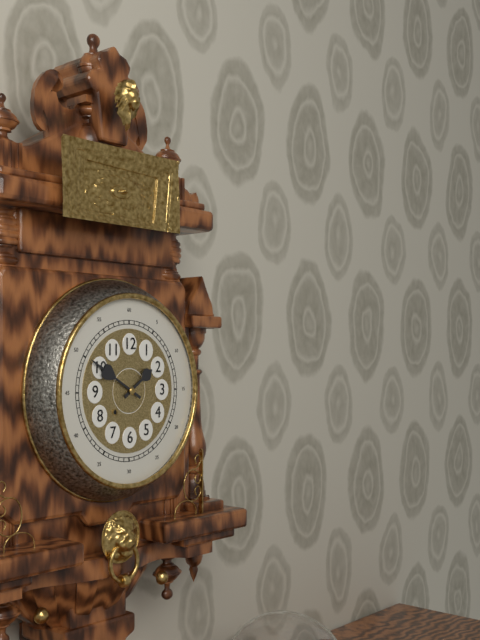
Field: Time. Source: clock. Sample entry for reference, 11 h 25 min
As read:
1 h 50 min
